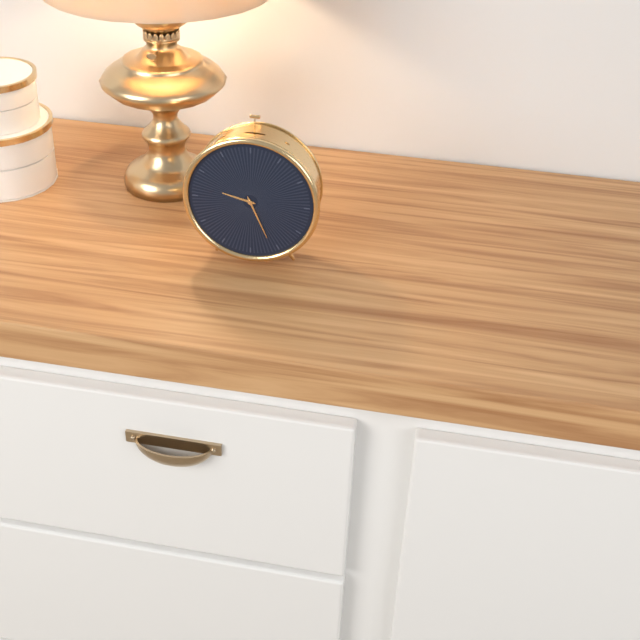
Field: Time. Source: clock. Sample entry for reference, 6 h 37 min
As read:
9 h 26 min
